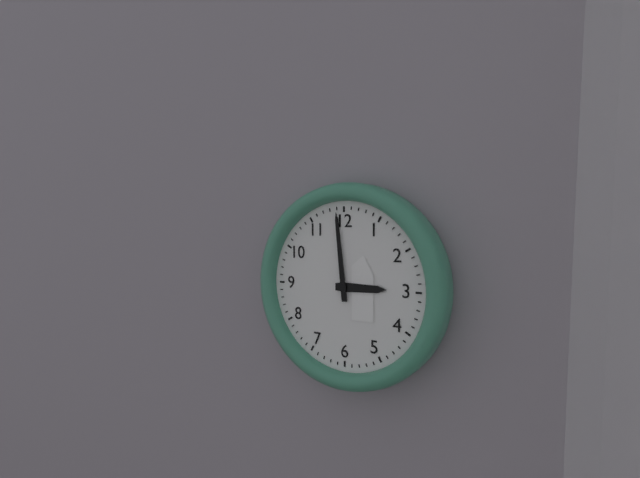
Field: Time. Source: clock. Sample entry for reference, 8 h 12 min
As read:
2 h 59 min
